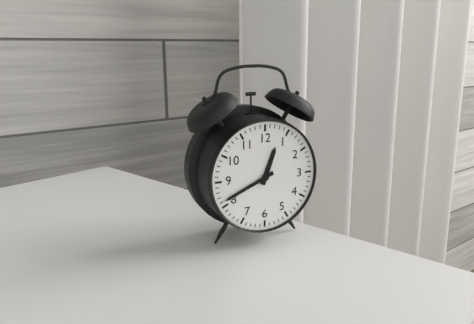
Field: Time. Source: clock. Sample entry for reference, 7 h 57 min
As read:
12 h 41 min
